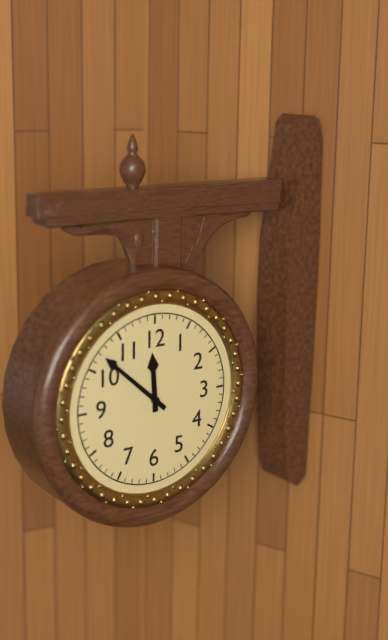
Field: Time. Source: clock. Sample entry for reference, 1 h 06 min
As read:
11 h 52 min
